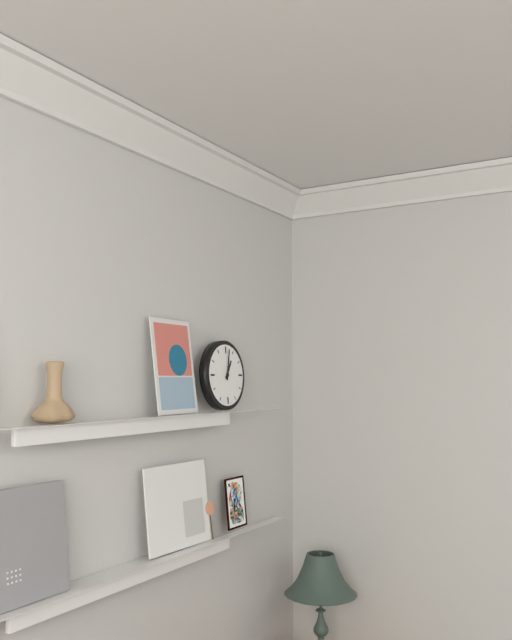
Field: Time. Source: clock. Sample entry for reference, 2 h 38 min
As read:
1 h 02 min
